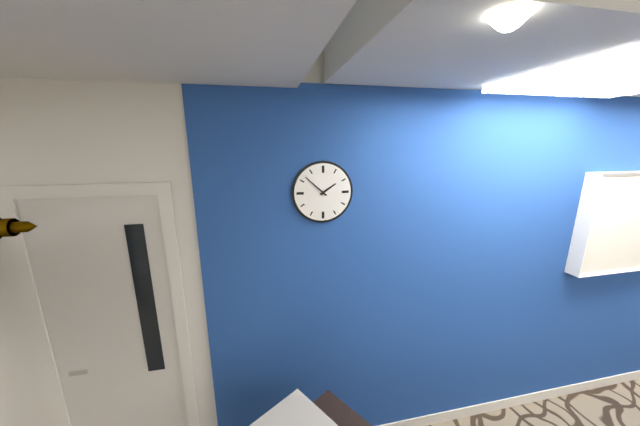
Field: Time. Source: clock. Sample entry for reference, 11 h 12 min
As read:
1 h 52 min
